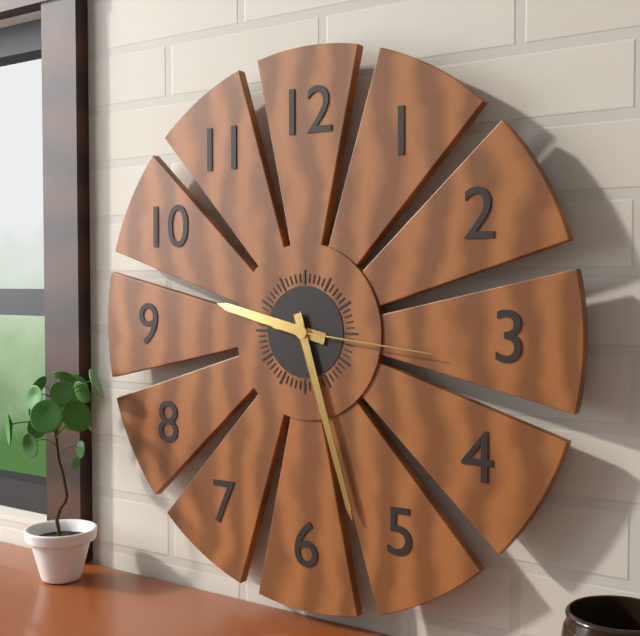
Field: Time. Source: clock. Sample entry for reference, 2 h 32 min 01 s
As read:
9 h 27 min 16 s
